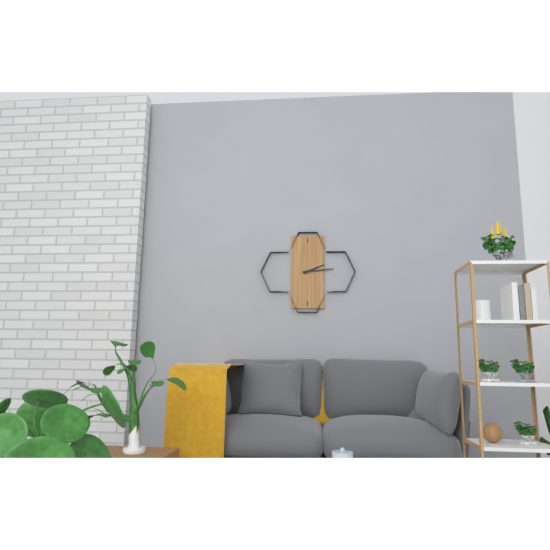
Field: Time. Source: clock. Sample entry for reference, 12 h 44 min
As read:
2 h 14 min
